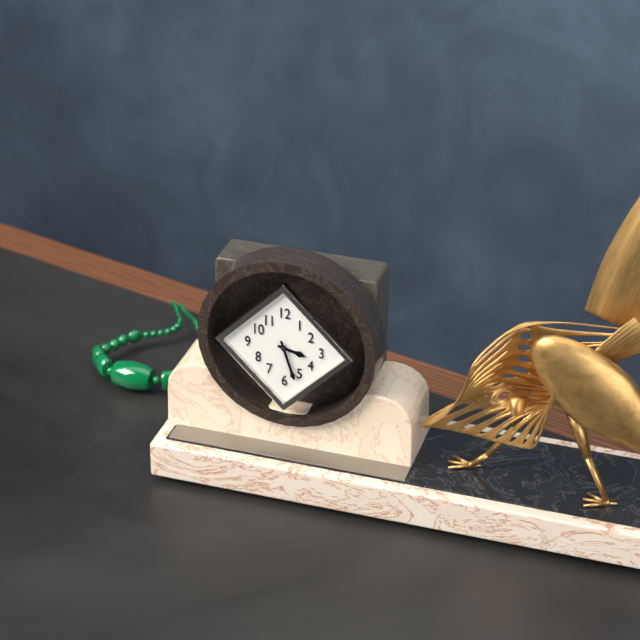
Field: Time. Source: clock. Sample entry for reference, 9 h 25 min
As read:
3 h 27 min
